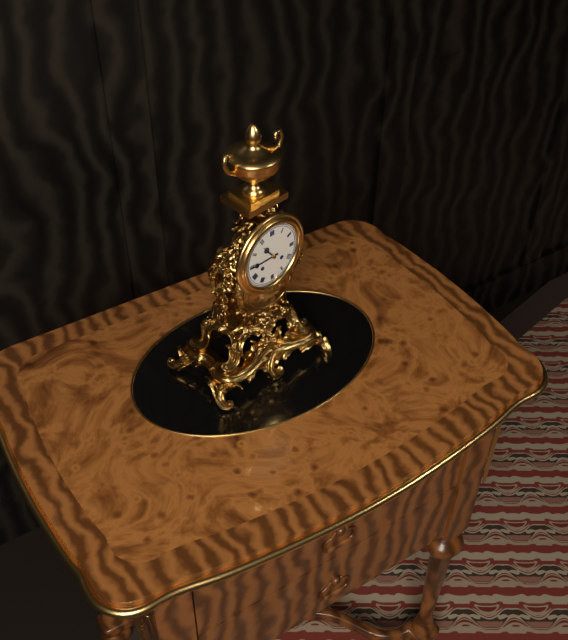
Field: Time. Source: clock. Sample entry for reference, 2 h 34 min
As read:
10 h 45 min
